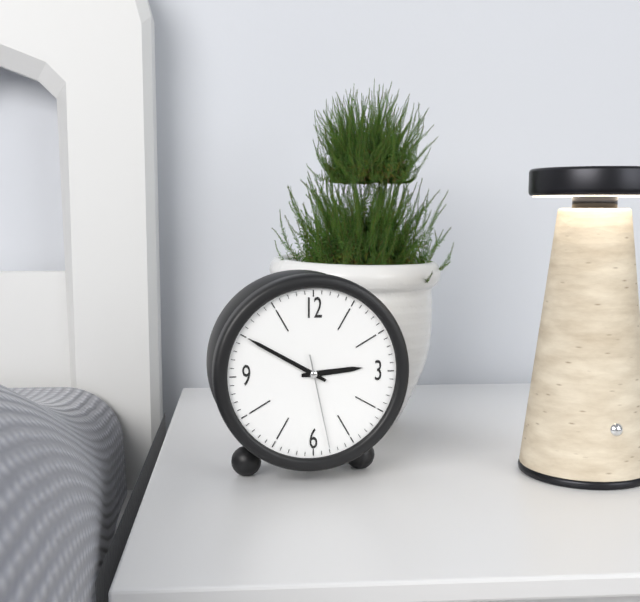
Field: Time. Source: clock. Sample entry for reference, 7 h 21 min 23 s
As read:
2 h 50 min 28 s
